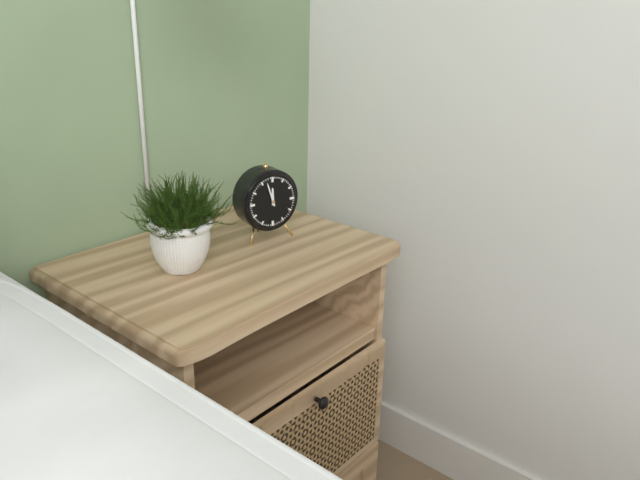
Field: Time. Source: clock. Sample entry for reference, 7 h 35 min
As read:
11 h 57 min
